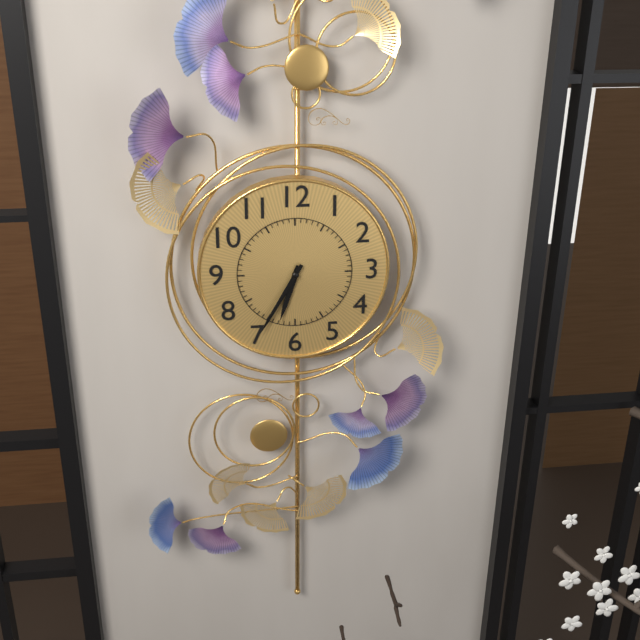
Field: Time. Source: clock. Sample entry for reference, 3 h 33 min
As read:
6 h 35 min
